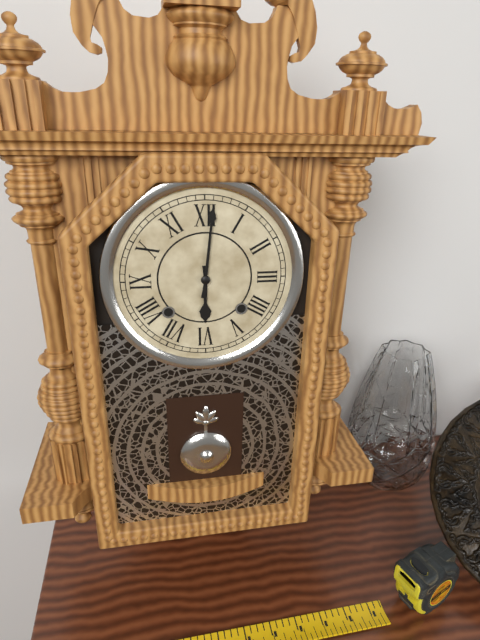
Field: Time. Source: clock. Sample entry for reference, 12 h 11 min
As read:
6 h 01 min
